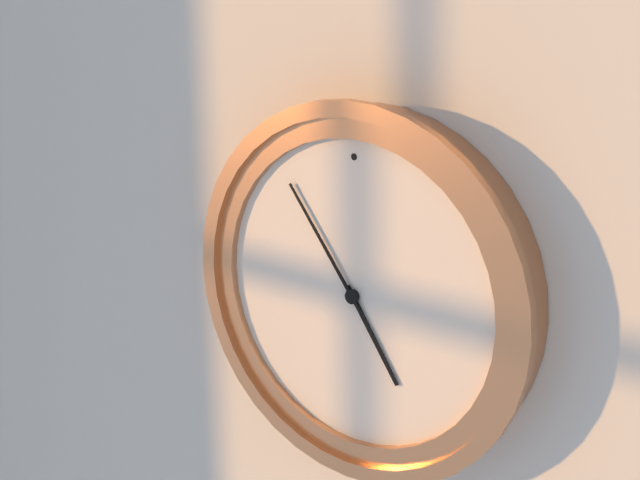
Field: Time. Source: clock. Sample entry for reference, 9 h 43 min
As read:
4 h 54 min
